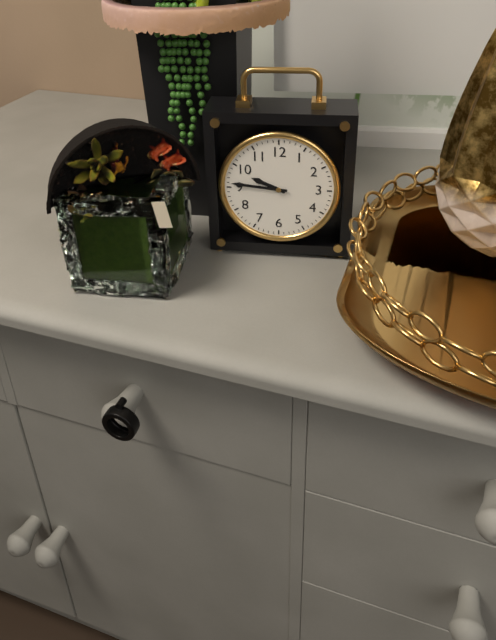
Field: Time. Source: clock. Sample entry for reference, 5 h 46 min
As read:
9 h 46 min
